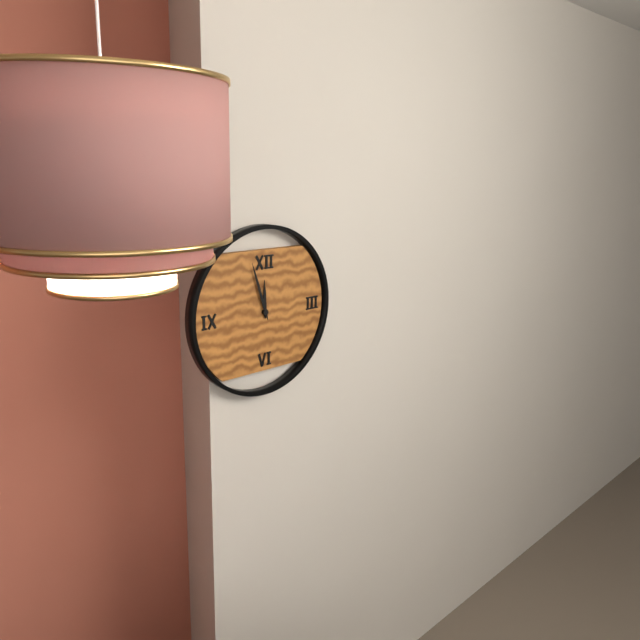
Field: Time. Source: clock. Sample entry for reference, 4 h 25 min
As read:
11 h 57 min
